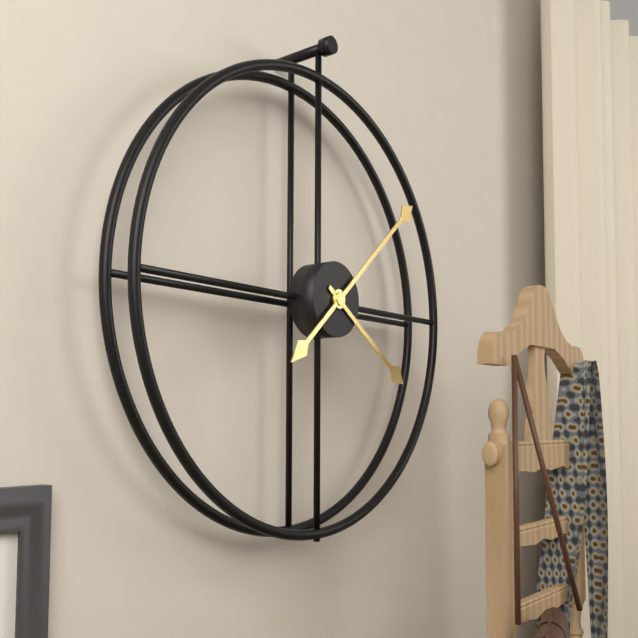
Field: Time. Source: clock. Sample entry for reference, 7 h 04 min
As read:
4 h 08 min
